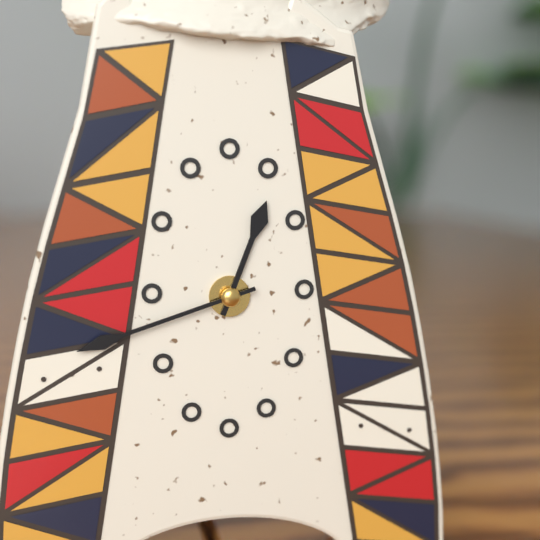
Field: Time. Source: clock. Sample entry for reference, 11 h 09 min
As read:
12 h 42 min
